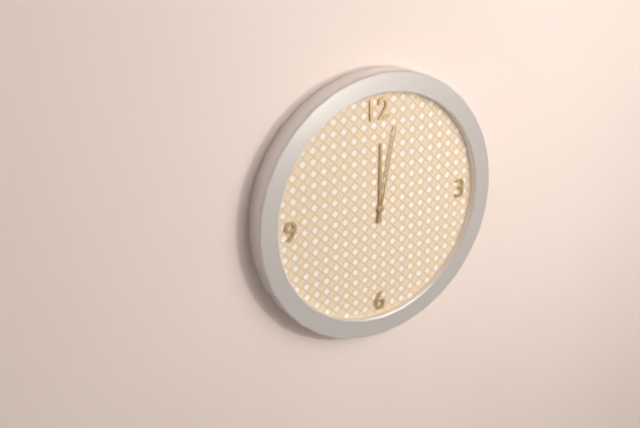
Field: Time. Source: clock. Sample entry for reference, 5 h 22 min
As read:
12 h 02 min
